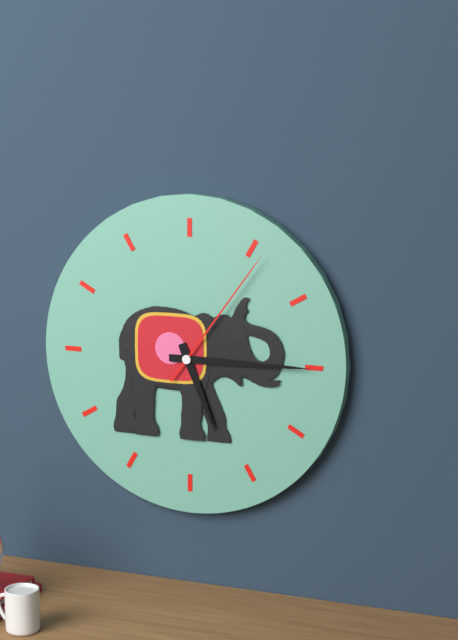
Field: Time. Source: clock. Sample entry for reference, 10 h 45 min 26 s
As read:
5 h 15 min 06 s
